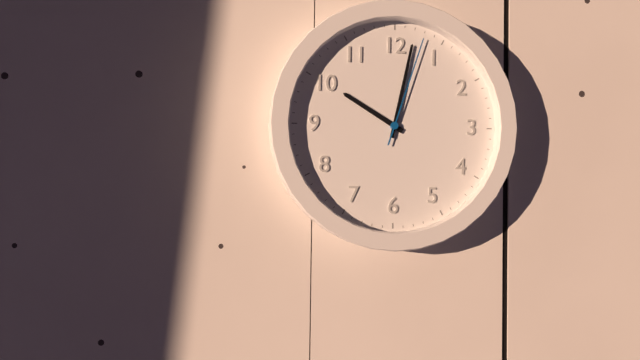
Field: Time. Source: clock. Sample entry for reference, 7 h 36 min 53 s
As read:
10 h 02 min 03 s
